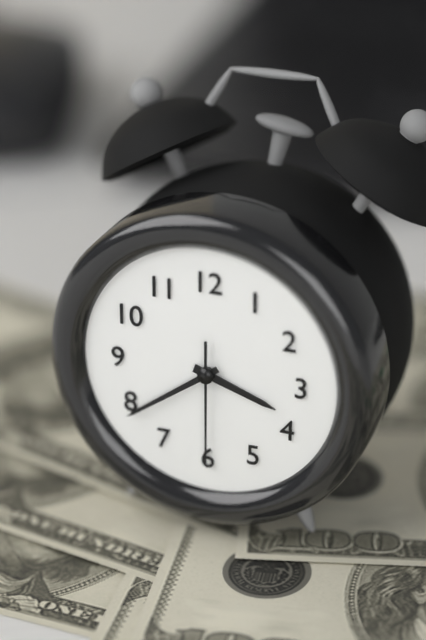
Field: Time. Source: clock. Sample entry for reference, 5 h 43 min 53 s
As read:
3 h 39 min 30 s
